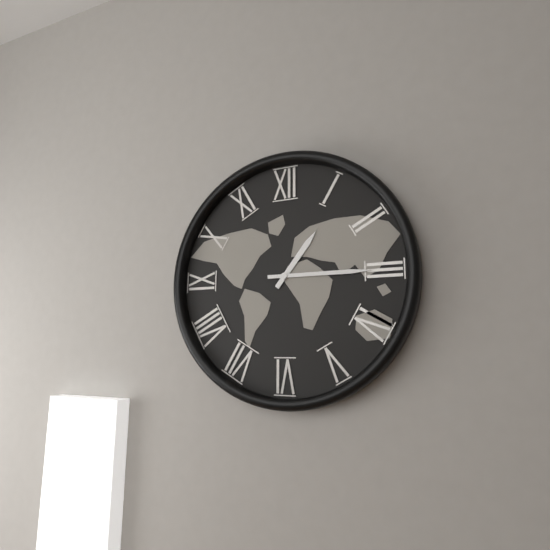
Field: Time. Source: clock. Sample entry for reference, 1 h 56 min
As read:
1 h 15 min
